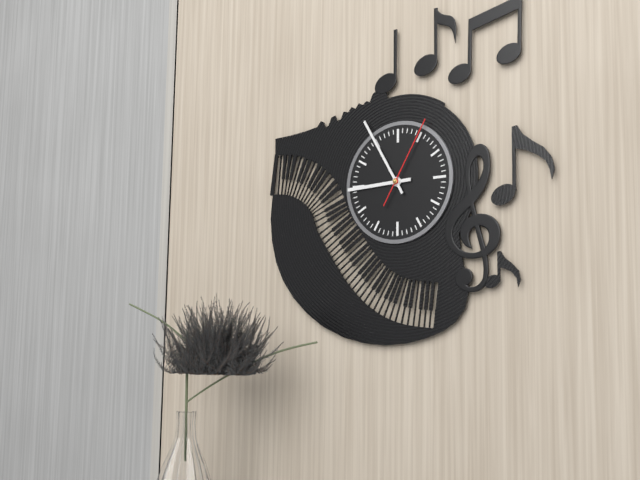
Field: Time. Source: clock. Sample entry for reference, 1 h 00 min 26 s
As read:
8 h 55 min 05 s
